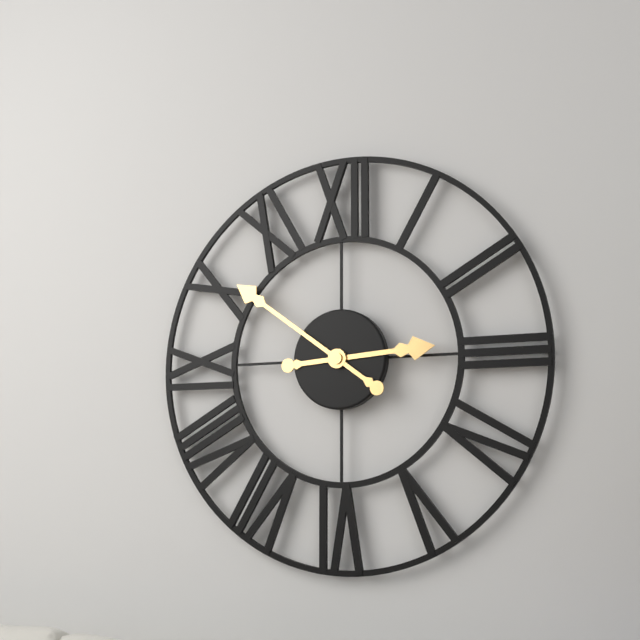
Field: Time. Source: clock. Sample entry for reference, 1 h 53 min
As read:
2 h 51 min
